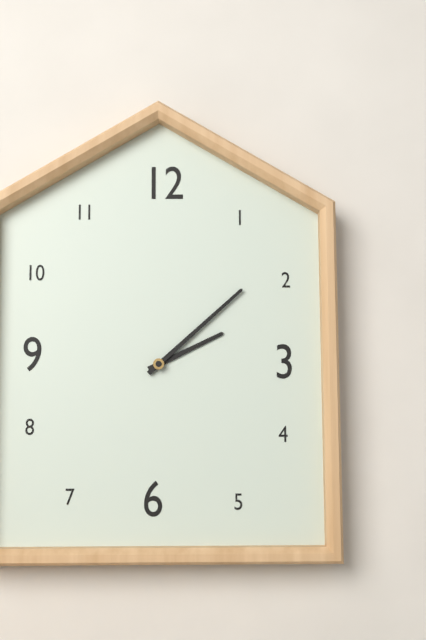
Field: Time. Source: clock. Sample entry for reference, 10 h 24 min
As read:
2 h 08 min
